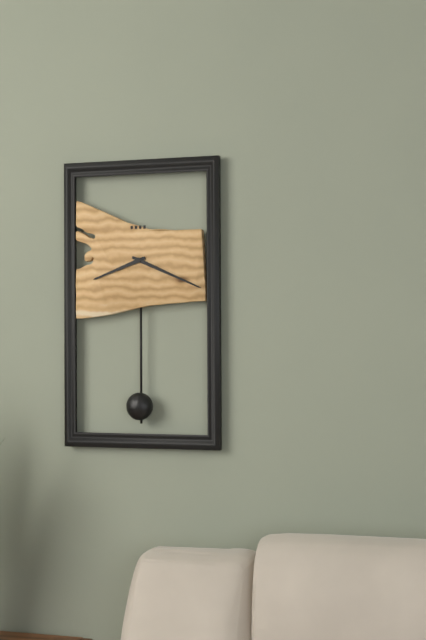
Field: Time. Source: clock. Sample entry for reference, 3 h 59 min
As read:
8 h 19 min
